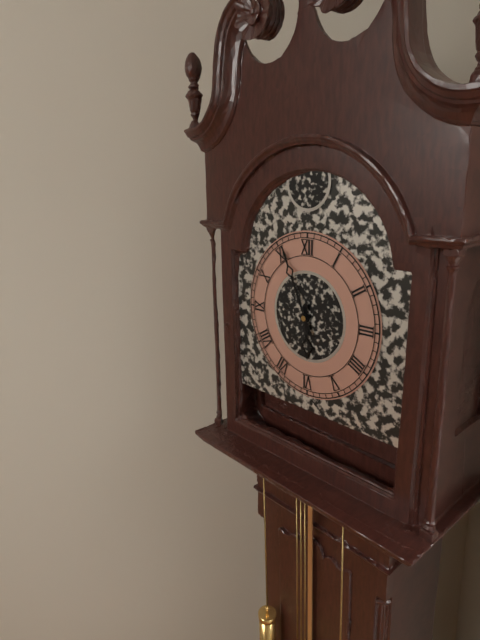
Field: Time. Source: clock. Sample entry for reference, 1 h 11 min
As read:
5 h 56 min
